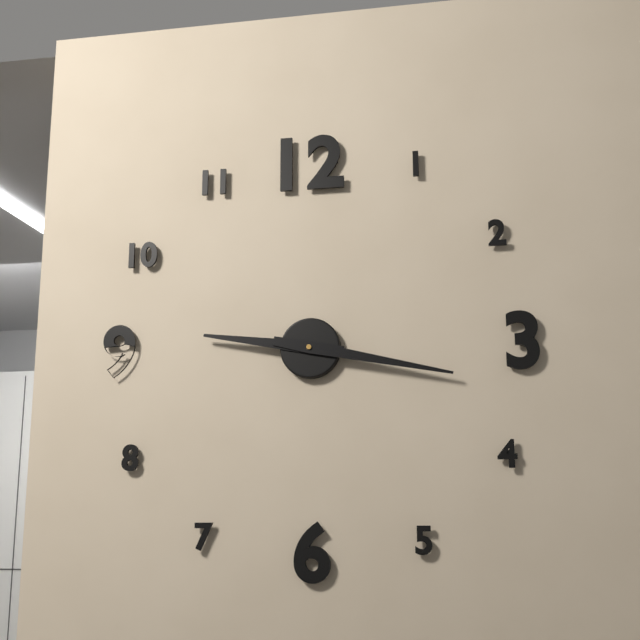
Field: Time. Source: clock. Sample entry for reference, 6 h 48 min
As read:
9 h 17 min
